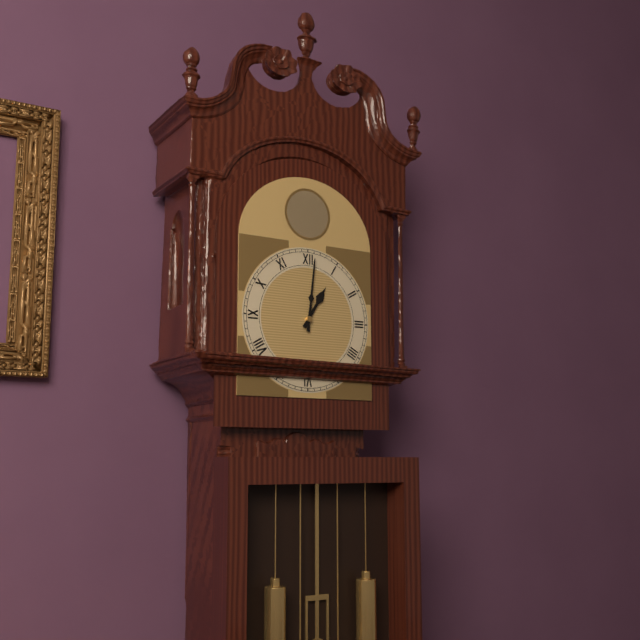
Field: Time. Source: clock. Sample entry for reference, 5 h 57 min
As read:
1 h 01 min
